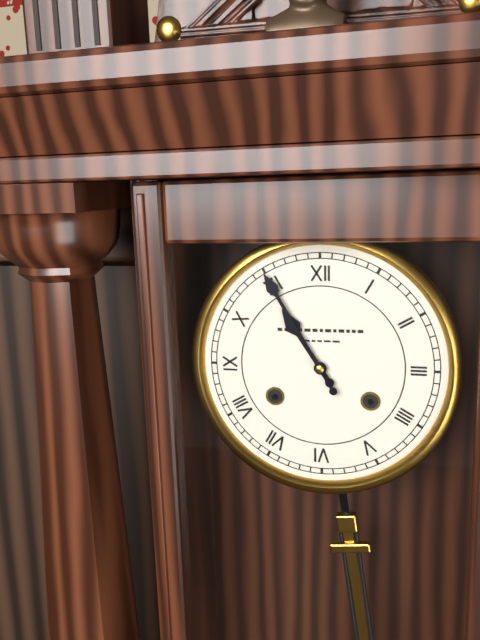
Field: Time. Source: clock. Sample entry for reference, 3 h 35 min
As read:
10 h 55 min
